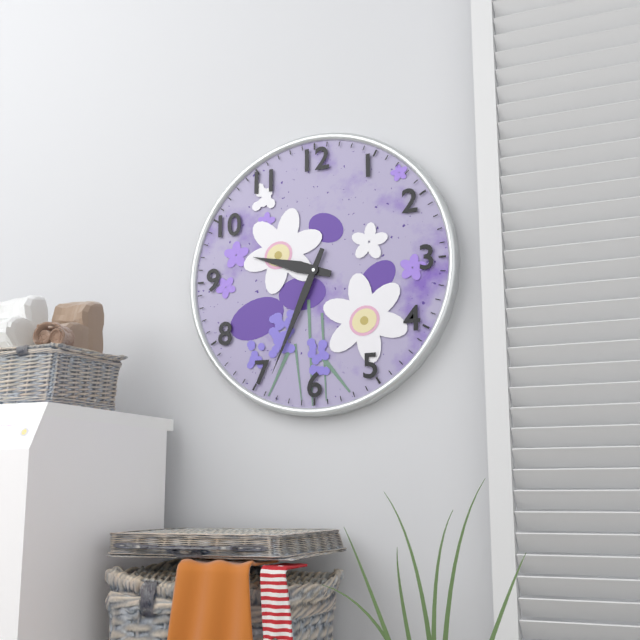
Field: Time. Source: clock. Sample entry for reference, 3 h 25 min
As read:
9 h 34 min
